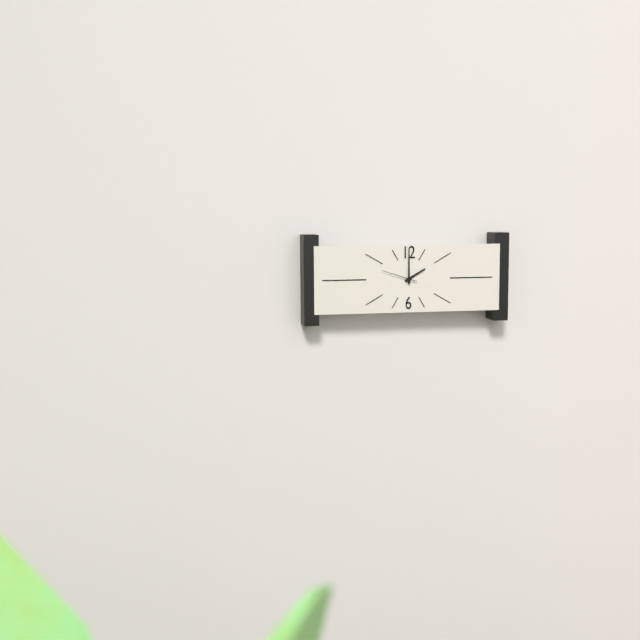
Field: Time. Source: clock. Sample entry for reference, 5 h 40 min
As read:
2 h 00 min
